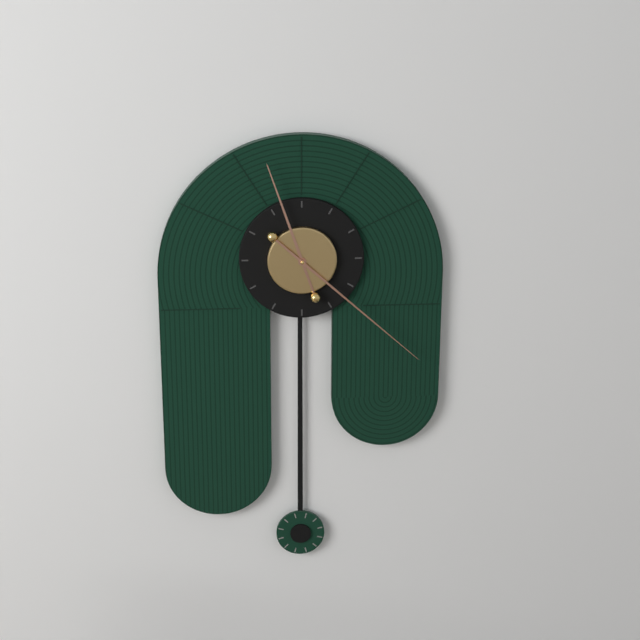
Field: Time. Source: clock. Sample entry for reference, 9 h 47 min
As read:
11 h 22 min
